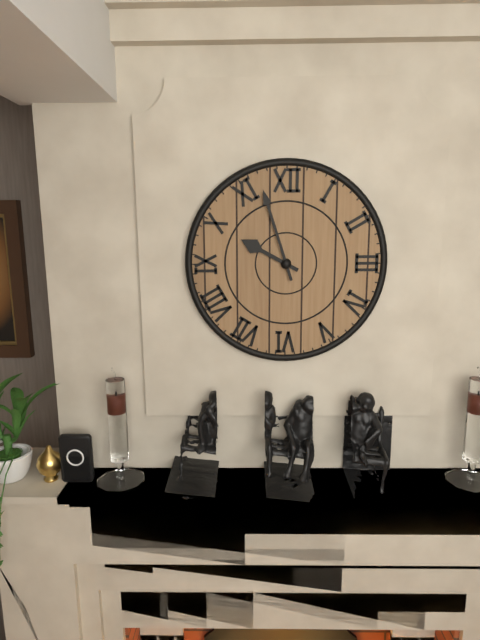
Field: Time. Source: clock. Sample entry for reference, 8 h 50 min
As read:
9 h 57 min
